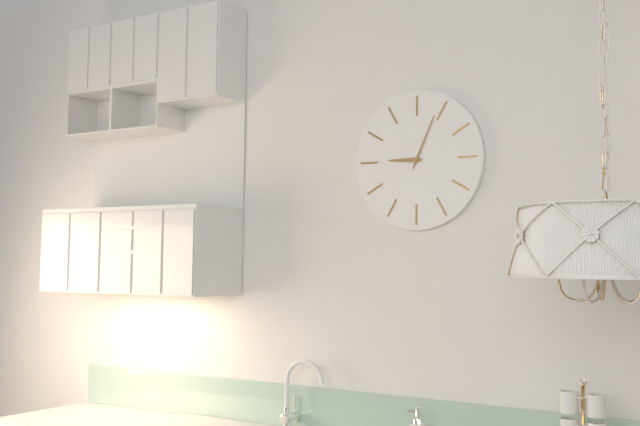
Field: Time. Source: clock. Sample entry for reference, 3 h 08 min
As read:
9 h 04 min
